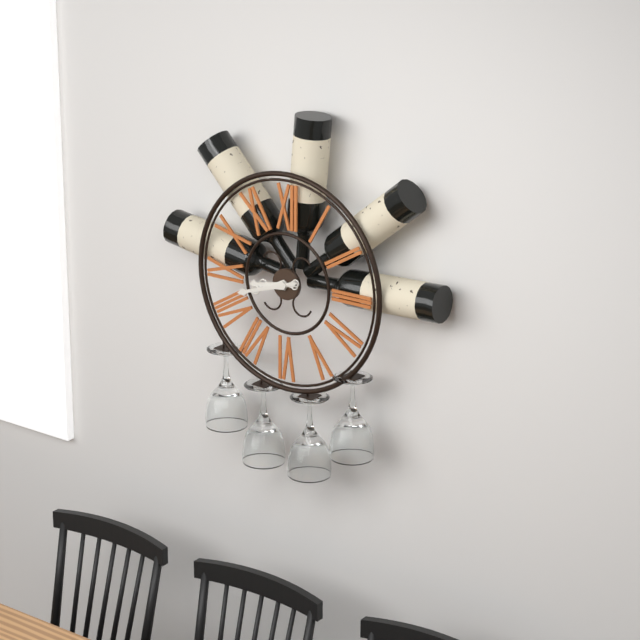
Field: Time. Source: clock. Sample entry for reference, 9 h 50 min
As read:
8 h 42 min
